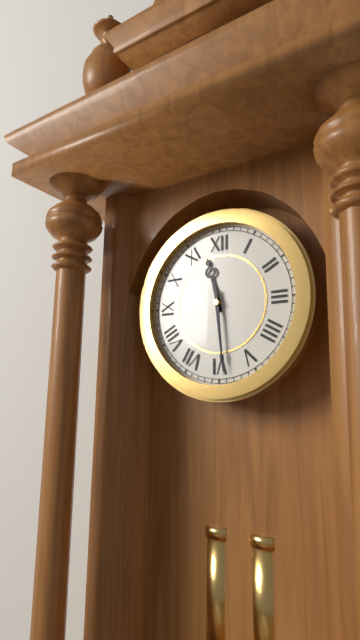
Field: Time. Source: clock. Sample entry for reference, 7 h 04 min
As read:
11 h 29 min
